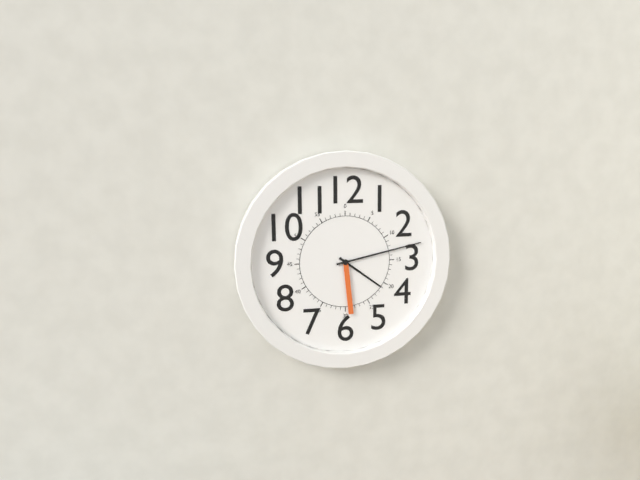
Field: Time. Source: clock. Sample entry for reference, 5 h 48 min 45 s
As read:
4 h 13 min 29 s
